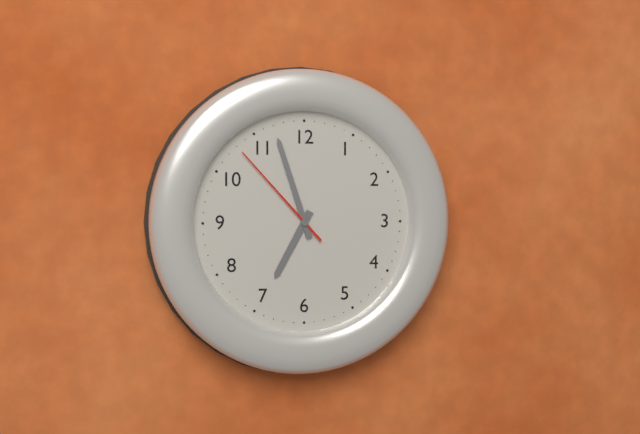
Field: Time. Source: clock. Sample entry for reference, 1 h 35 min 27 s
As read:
6 h 57 min 53 s
